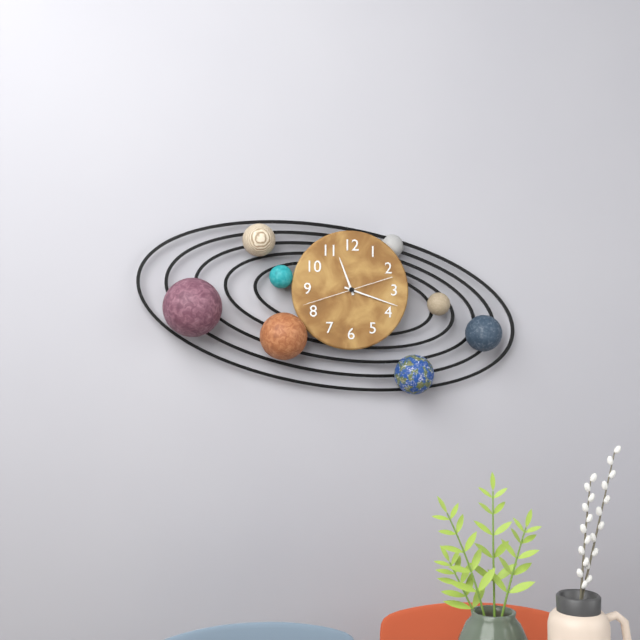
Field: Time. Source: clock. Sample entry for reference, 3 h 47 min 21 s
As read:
11 h 18 min 42 s
